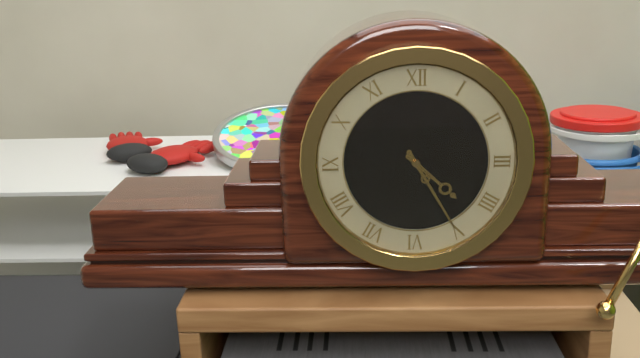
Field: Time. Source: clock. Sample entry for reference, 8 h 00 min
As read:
4 h 25 min
